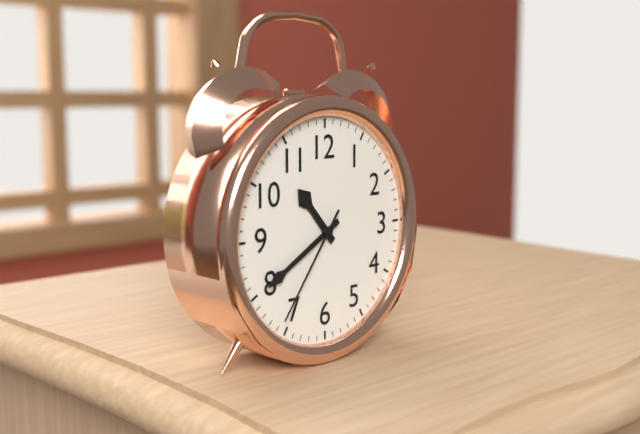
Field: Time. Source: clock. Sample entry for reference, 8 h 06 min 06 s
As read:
10 h 40 min 36 s
